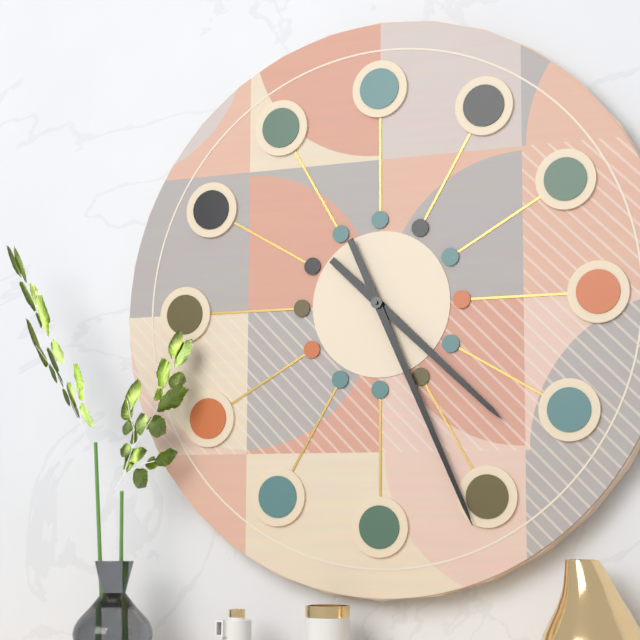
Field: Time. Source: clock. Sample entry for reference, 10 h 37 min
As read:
4 h 26 min
